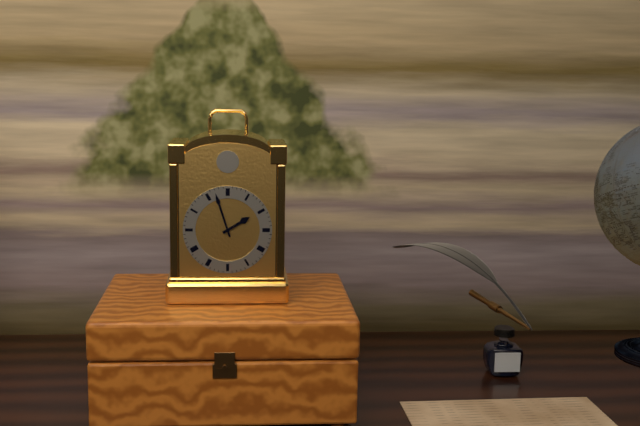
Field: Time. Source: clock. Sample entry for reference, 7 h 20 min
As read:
1 h 57 min
